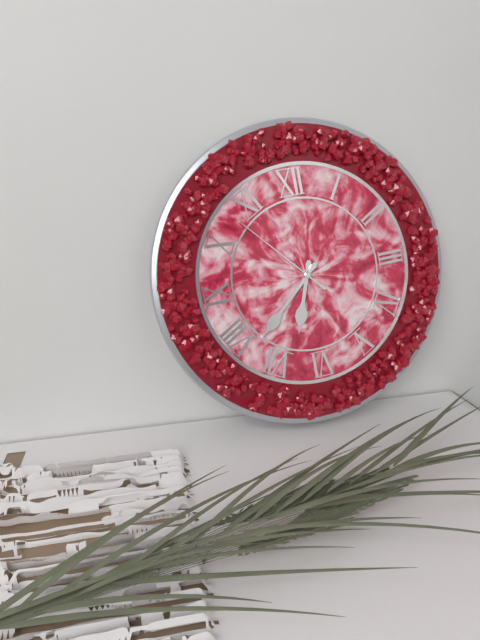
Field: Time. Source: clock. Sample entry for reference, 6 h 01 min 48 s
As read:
6 h 38 min 53 s
